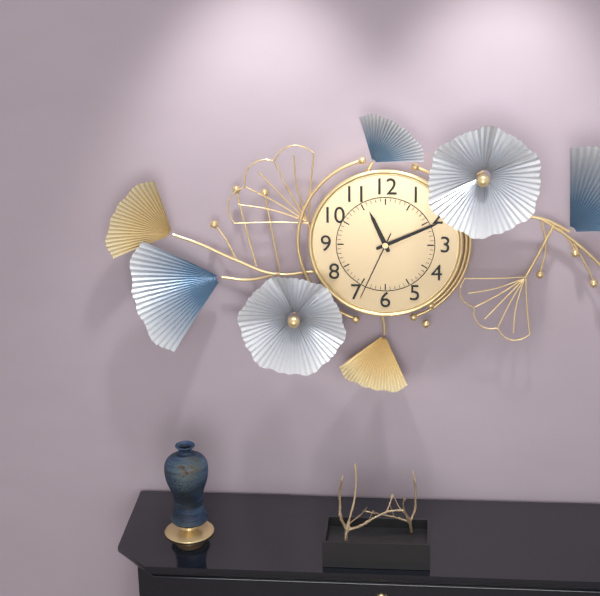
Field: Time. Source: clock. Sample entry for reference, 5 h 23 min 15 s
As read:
11 h 11 min 34 s
